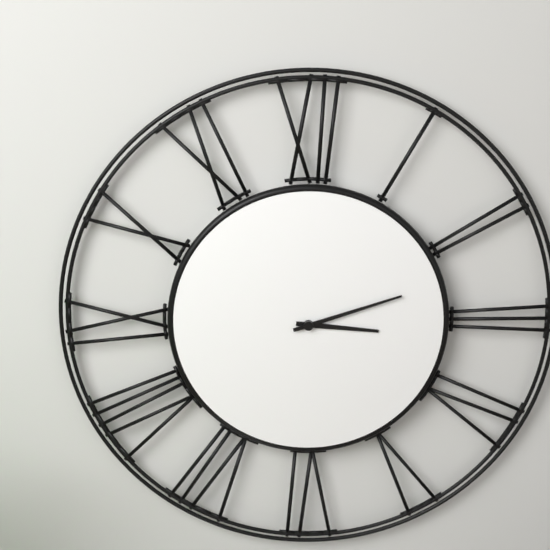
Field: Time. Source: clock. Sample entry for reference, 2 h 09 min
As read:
3 h 12 min
